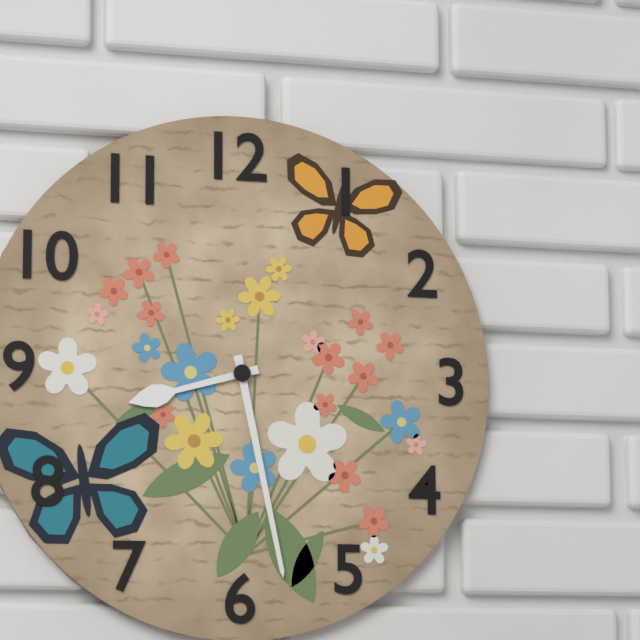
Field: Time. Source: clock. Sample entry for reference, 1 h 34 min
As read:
8 h 28 min
